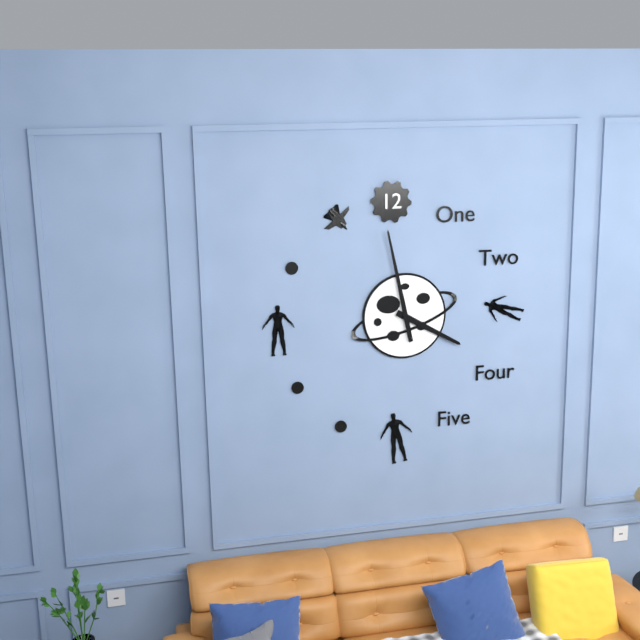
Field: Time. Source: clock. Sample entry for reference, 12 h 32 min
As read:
3 h 58 min
